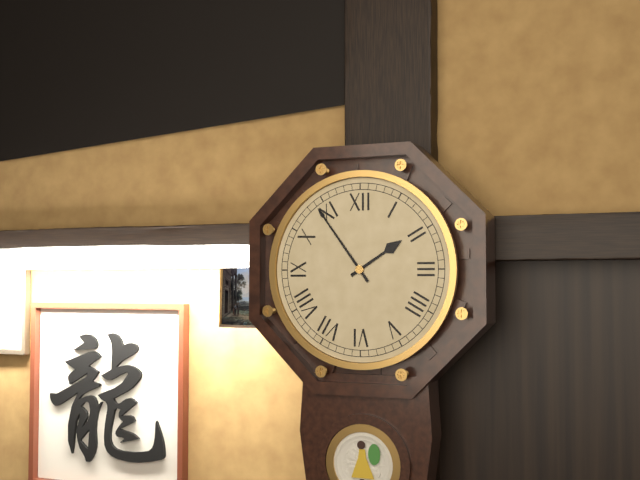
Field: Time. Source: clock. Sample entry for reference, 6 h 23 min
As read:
1 h 54 min
